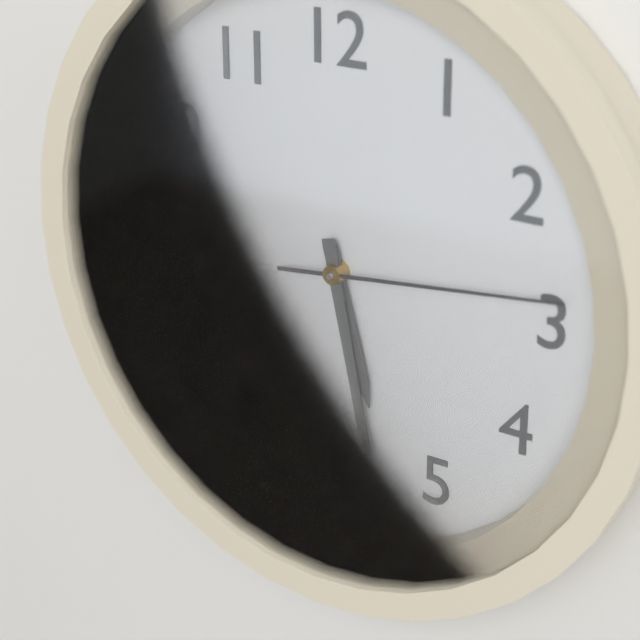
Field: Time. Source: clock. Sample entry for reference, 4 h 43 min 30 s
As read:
5 h 28 min 14 s
